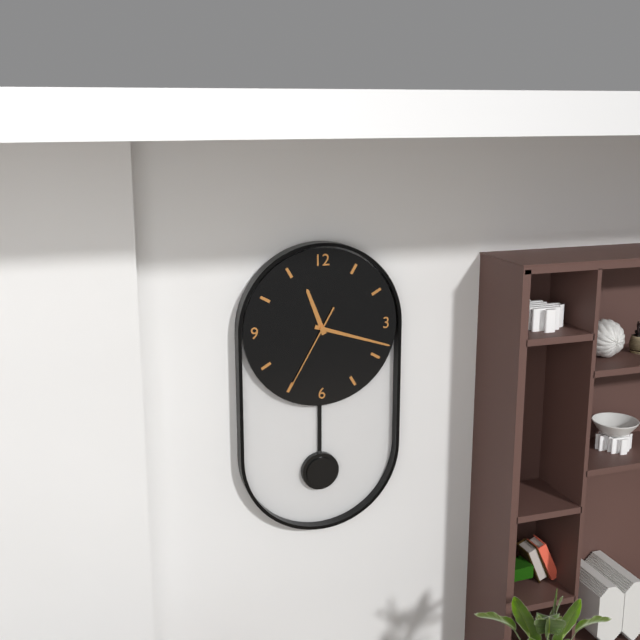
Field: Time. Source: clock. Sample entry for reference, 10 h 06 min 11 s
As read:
11 h 18 min 35 s
